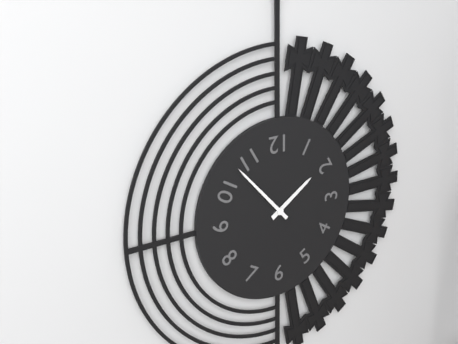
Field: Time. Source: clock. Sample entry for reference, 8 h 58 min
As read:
1 h 53 min
